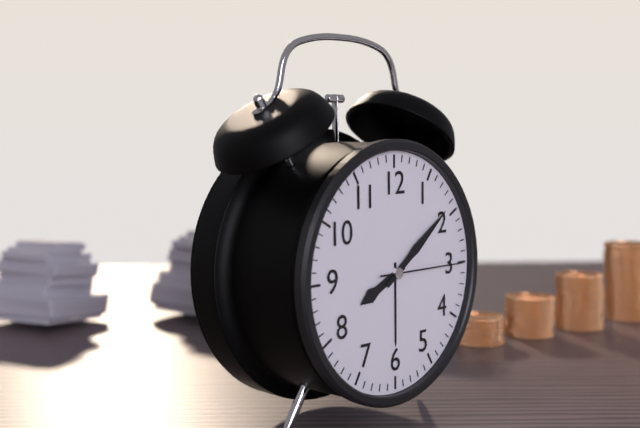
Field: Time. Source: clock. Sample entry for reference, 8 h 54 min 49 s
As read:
8 h 09 min 15 s
